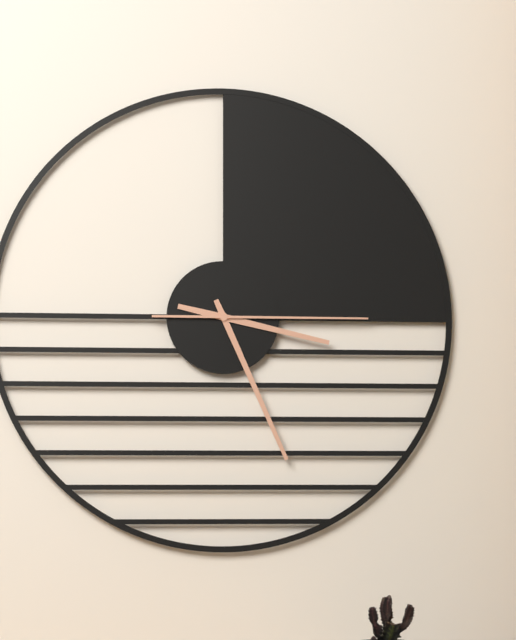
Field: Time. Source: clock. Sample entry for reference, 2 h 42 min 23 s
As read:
3 h 26 min 15 s
